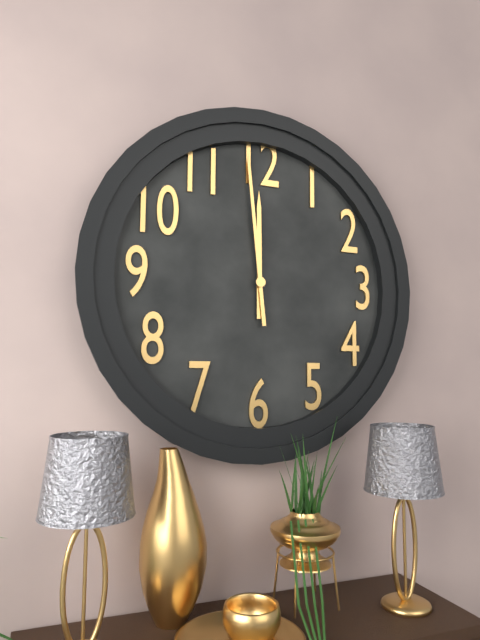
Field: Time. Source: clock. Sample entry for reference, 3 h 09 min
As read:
11 h 59 min
